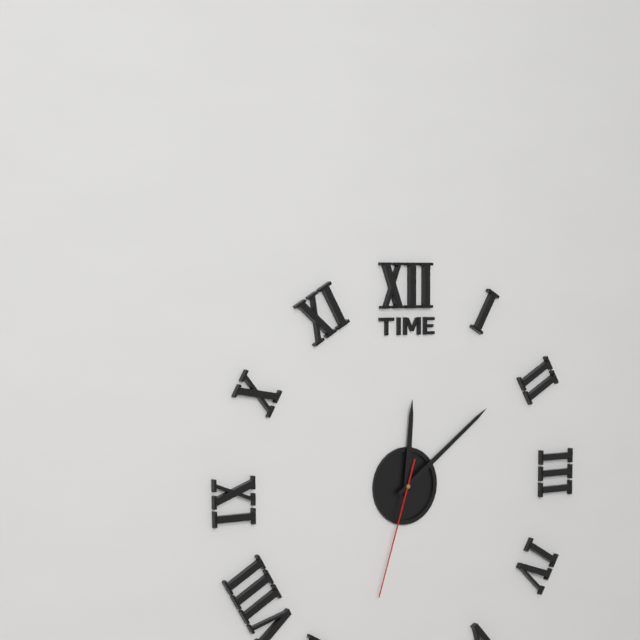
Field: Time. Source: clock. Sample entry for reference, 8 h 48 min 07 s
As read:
12 h 09 min 33 s
